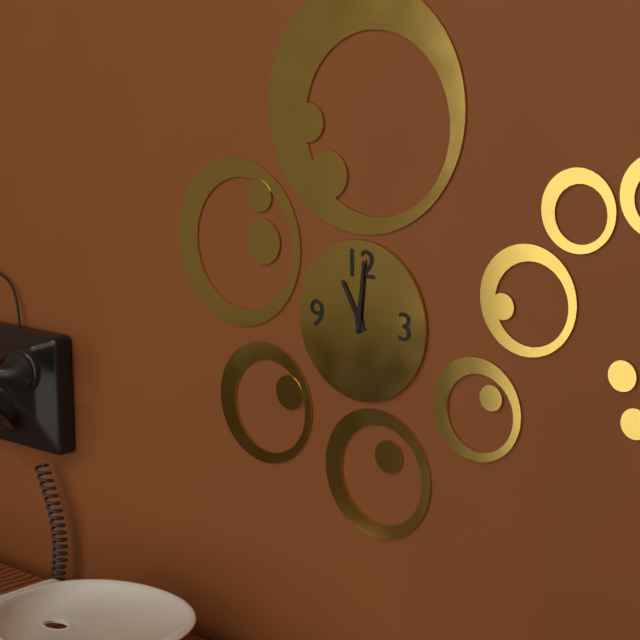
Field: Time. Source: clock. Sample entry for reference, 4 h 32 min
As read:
11 h 01 min
